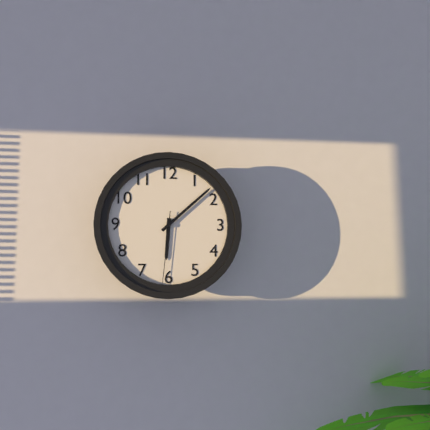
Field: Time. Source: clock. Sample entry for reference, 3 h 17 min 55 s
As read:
6 h 08 min 31 s
